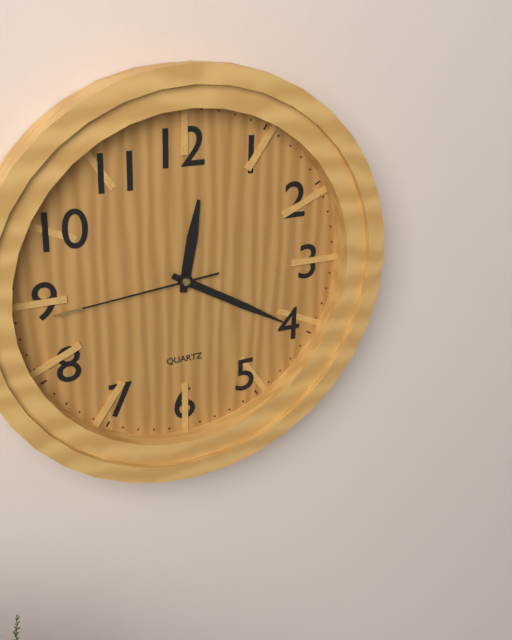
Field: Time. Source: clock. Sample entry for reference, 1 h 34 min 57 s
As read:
12 h 20 min 44 s
